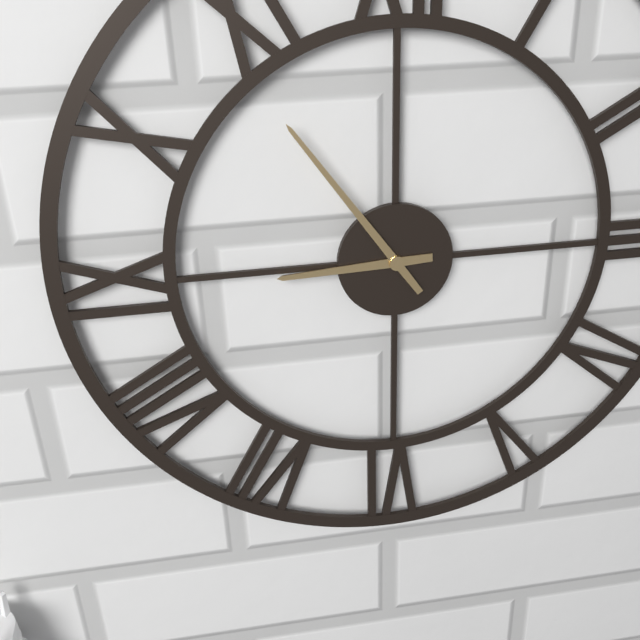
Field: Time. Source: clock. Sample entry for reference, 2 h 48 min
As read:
8 h 54 min
